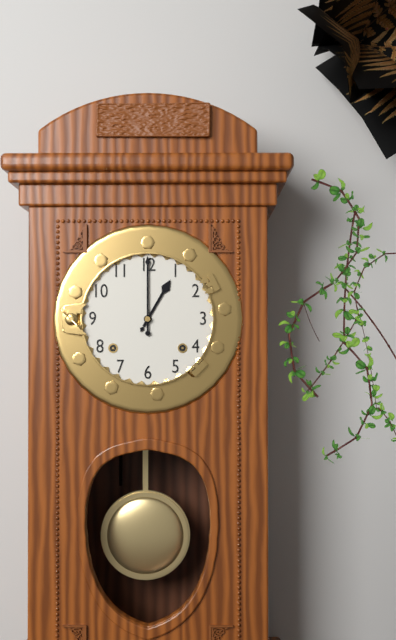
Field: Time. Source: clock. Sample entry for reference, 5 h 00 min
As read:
1 h 00 min
